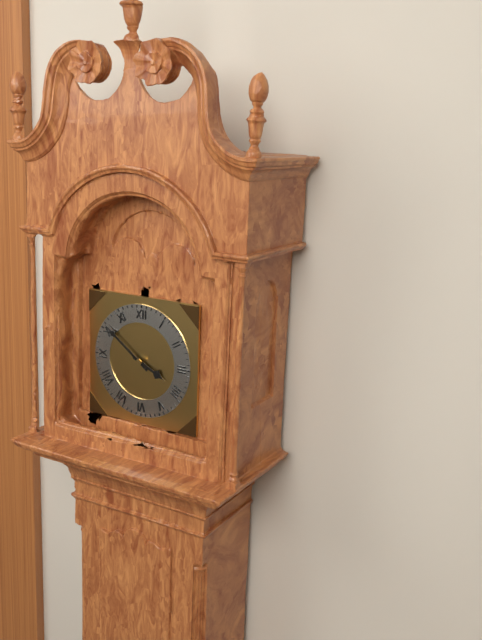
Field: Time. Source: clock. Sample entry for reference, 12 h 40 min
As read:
3 h 51 min
